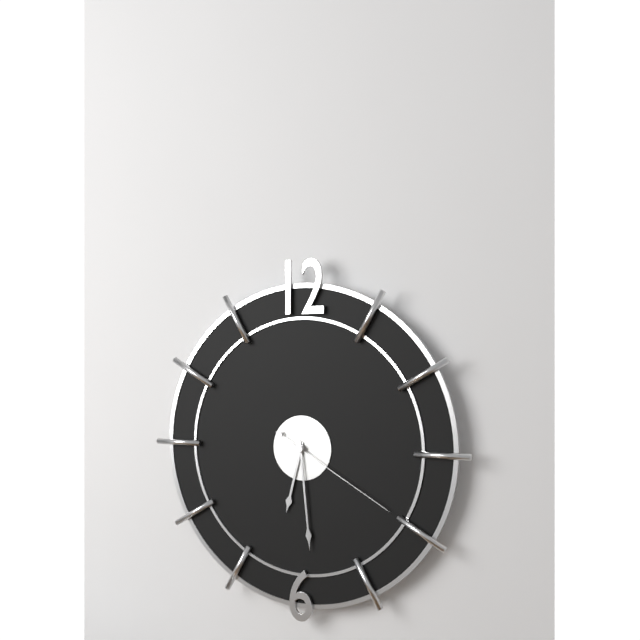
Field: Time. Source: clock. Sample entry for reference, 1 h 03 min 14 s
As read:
6 h 29 min 20 s
